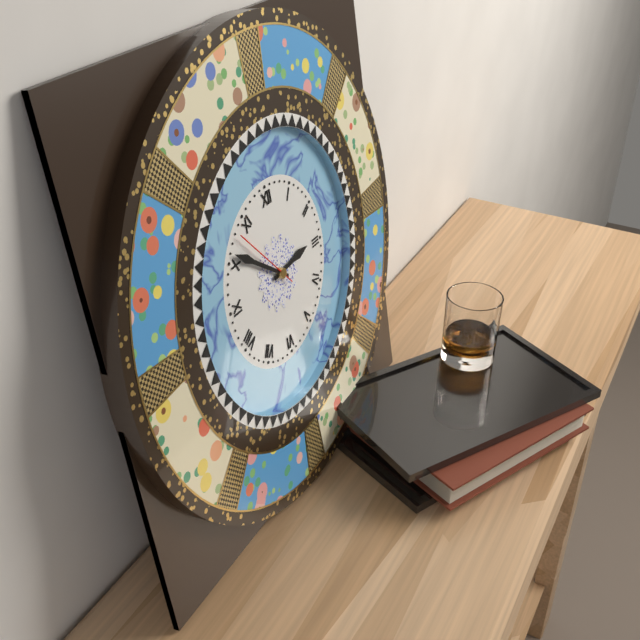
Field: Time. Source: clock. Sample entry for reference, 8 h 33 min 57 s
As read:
2 h 51 min 53 s
